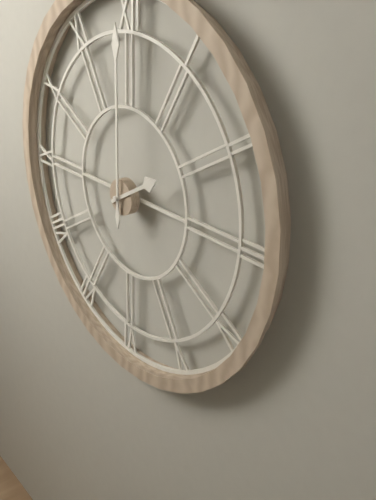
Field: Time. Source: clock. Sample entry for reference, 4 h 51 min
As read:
2 h 00 min
